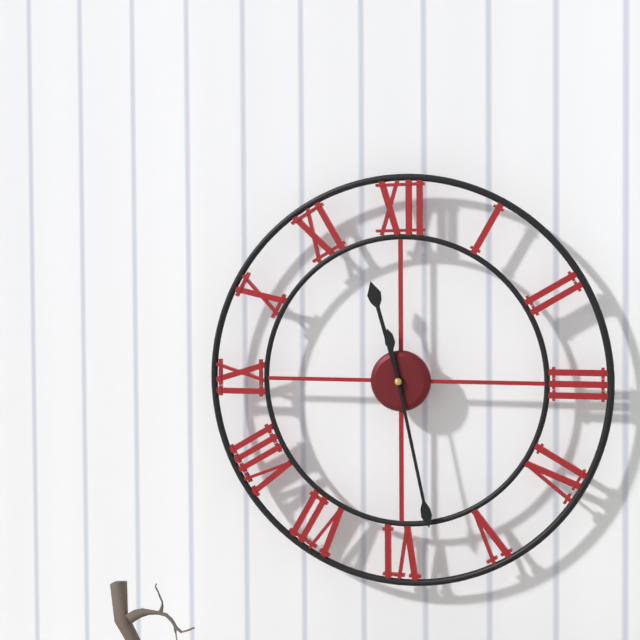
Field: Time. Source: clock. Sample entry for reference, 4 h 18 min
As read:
11 h 28 min
